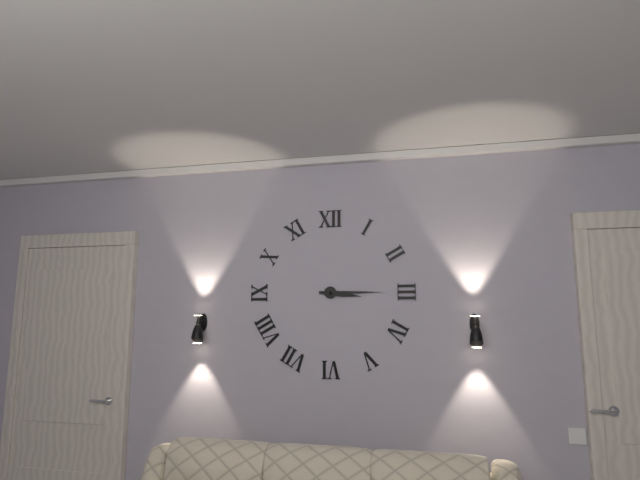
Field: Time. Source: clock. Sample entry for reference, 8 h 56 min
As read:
3 h 15 min
